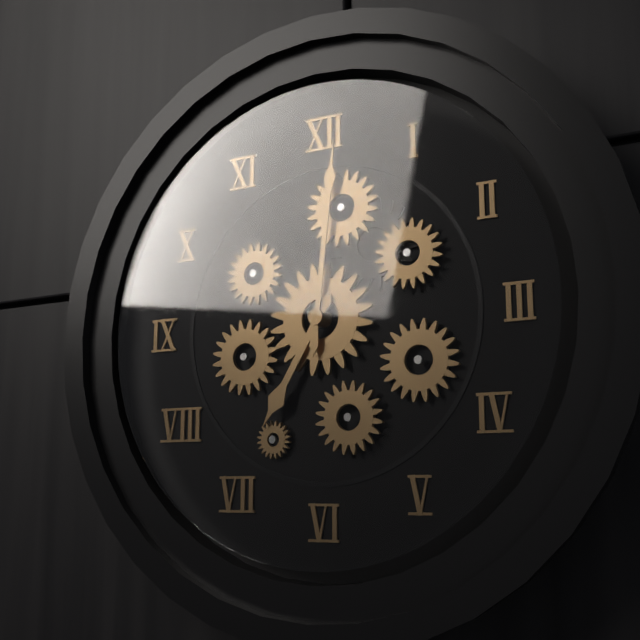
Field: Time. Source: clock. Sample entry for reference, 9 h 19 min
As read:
7 h 01 min
